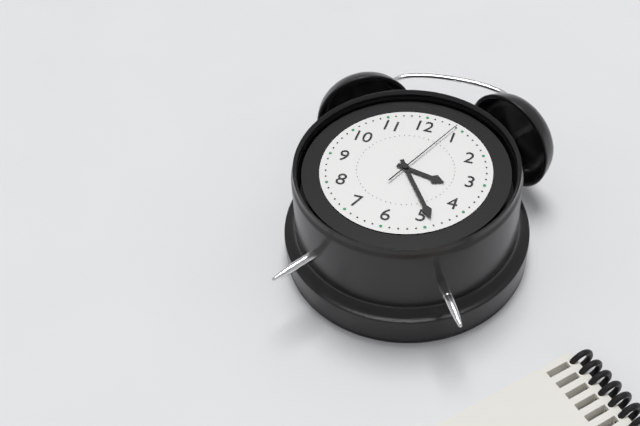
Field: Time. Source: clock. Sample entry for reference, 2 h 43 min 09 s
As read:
3 h 24 min 04 s
